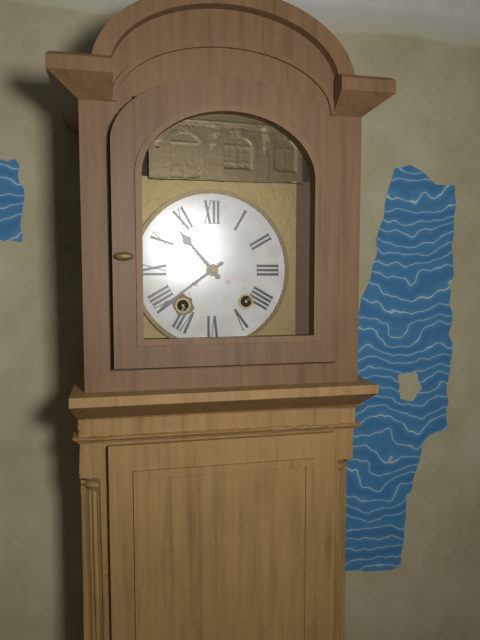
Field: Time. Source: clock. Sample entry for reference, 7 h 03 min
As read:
10 h 39 min
